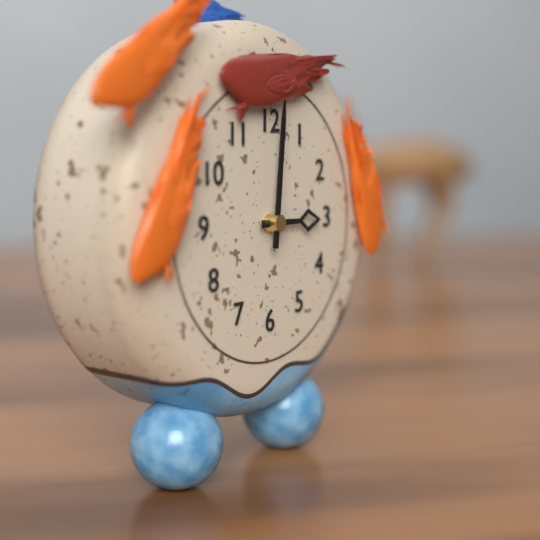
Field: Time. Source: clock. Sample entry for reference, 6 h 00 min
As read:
3 h 01 min
